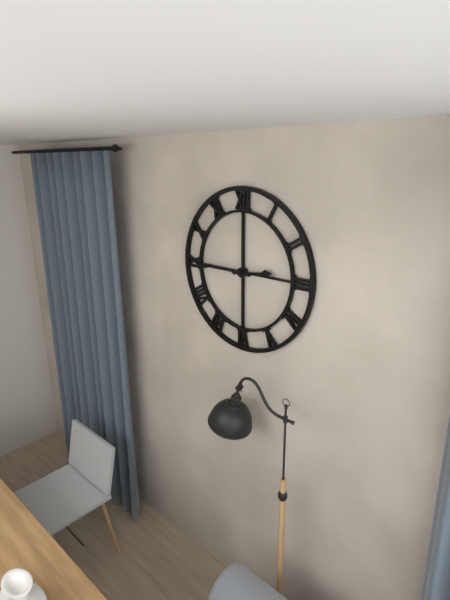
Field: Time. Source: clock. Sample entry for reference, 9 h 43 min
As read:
2 h 45 min
